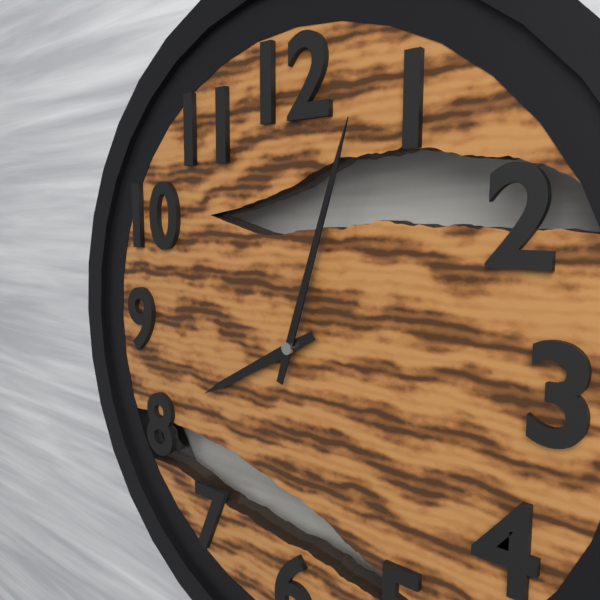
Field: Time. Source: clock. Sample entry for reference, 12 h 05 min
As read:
8 h 03 min
